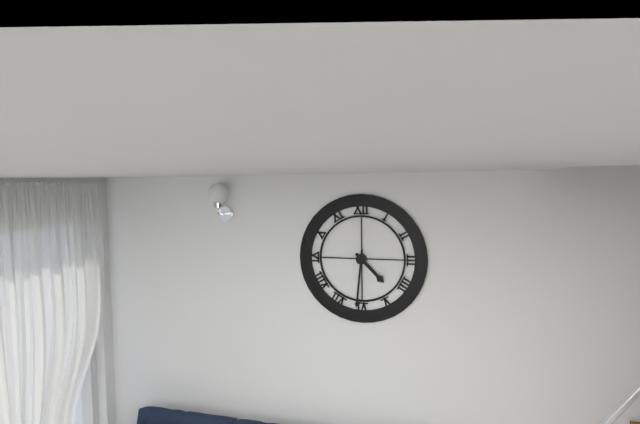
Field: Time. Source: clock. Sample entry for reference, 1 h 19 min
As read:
4 h 31 min
